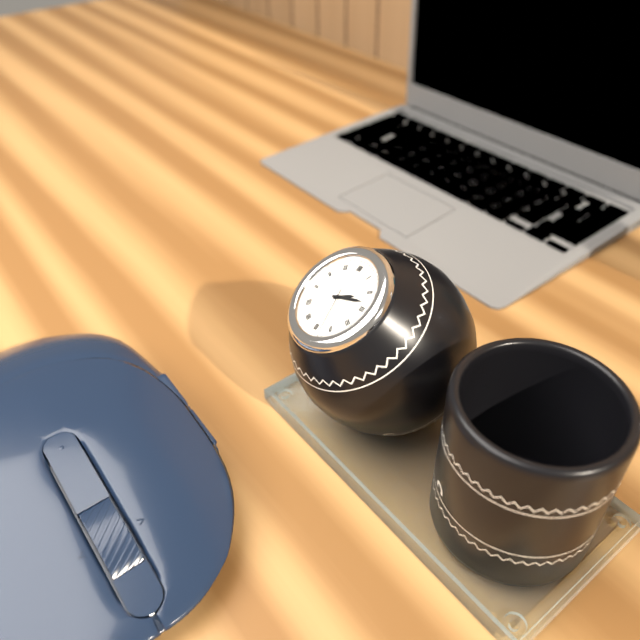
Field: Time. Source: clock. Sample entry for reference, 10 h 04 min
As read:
2 h 13 min
